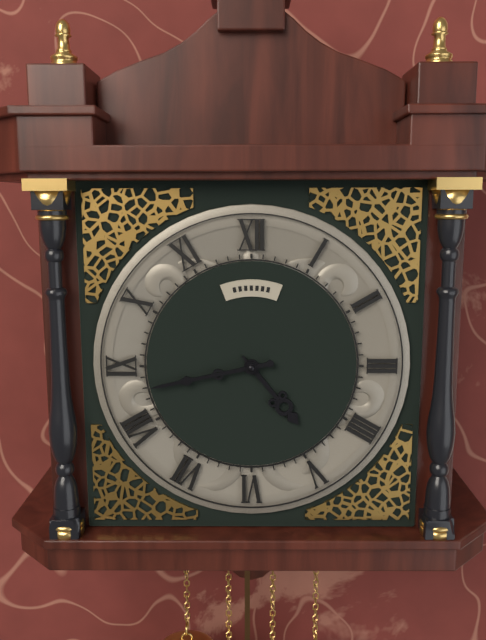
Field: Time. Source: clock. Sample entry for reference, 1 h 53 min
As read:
4 h 43 min
